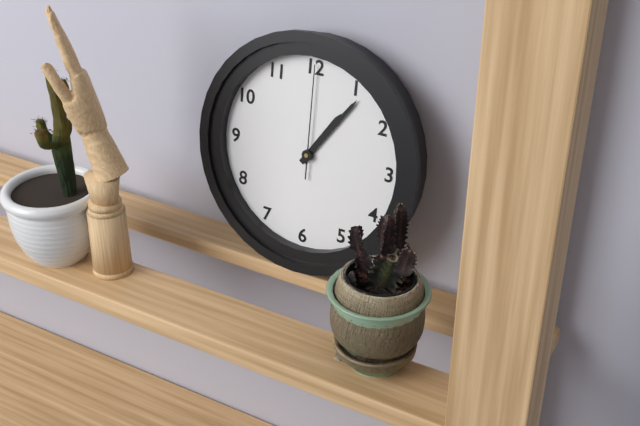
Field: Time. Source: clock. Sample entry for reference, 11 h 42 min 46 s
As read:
1 h 06 min 00 s
